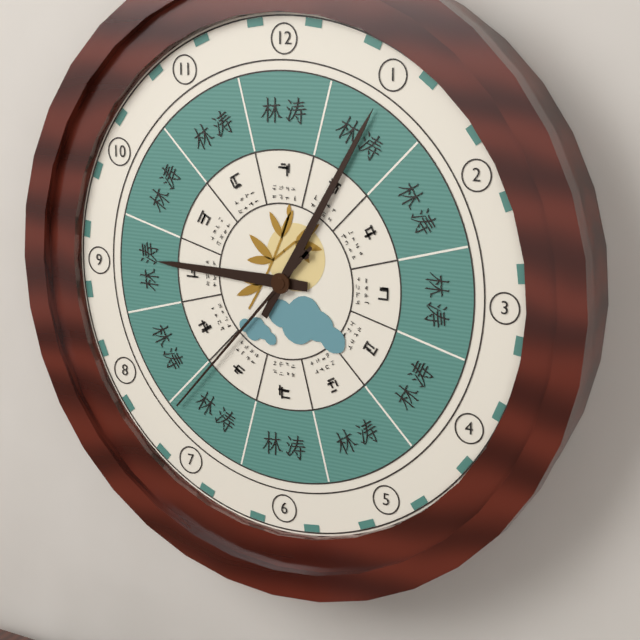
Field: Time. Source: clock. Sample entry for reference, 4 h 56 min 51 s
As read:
9 h 05 min 37 s
